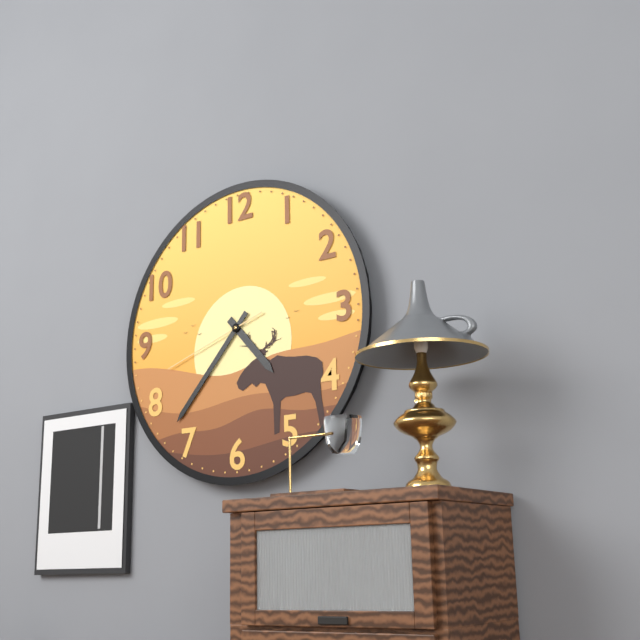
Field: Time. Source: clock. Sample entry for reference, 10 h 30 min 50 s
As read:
4 h 37 min 42 s
